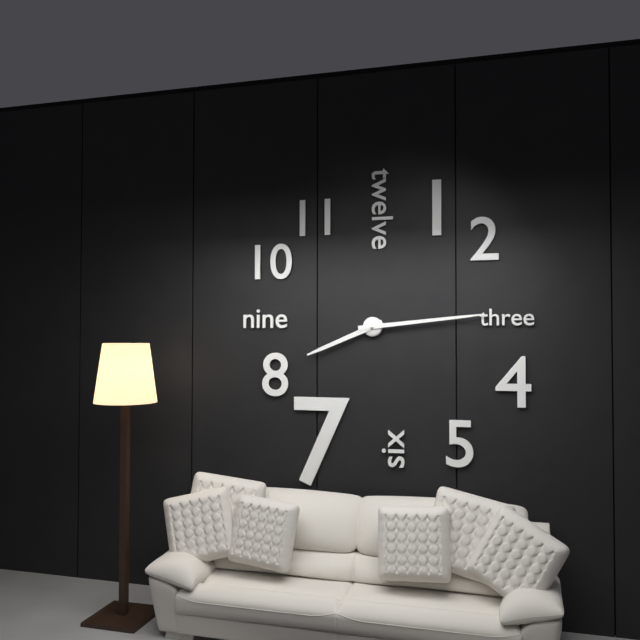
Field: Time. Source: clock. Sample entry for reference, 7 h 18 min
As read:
8 h 14 min
